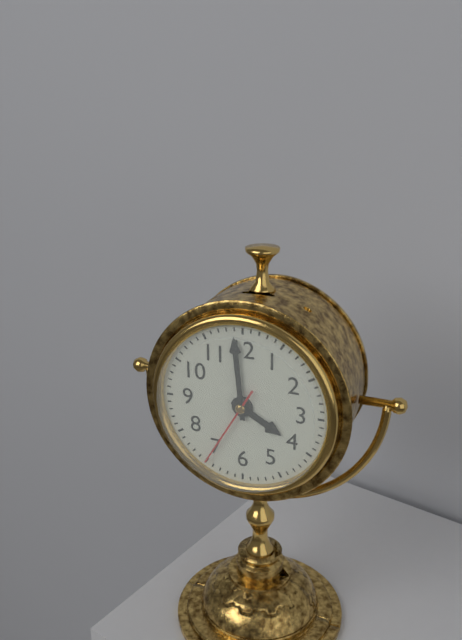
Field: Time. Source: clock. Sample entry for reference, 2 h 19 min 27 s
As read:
3 h 59 min 35 s
